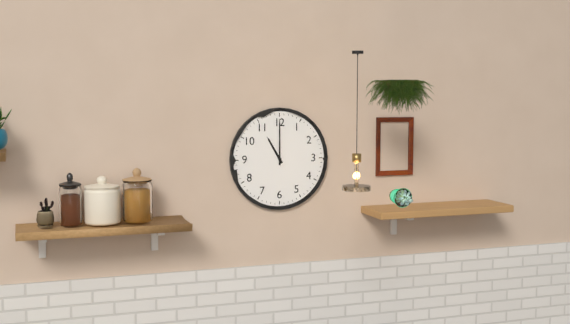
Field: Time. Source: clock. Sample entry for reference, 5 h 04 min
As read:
11 h 00 min
